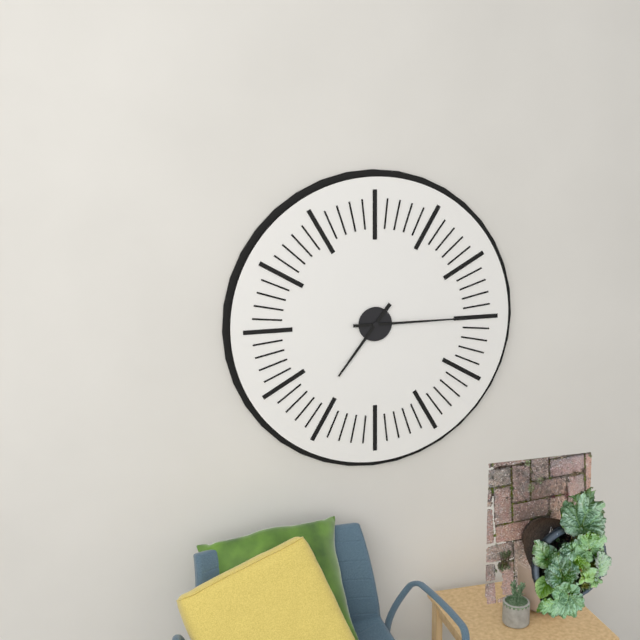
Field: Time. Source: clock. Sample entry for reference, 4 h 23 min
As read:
7 h 15 min
